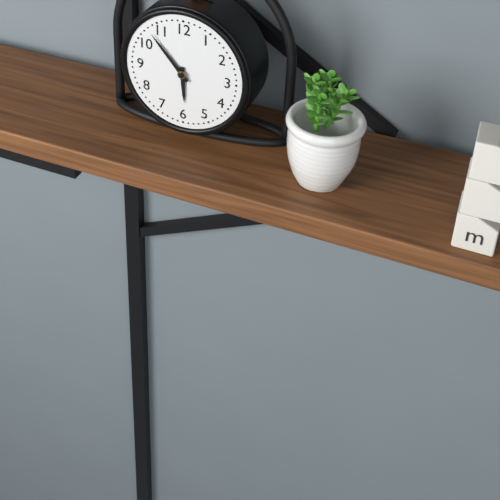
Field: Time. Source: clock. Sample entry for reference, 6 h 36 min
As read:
5 h 53 min
